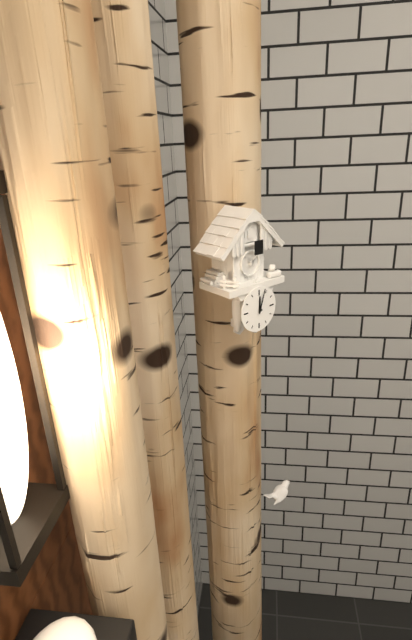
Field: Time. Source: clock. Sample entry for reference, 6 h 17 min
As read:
12 h 03 min
